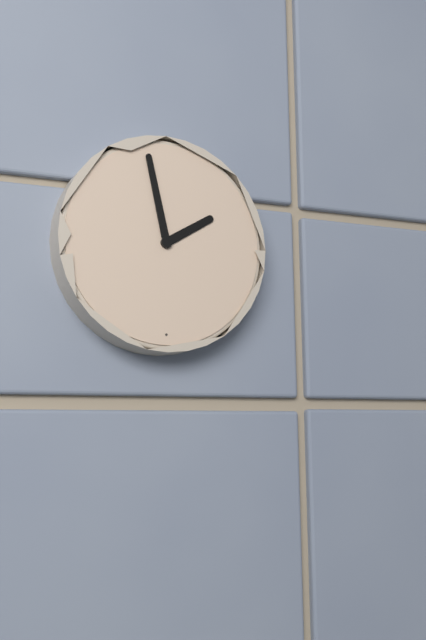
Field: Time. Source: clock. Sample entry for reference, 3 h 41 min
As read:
1 h 58 min
